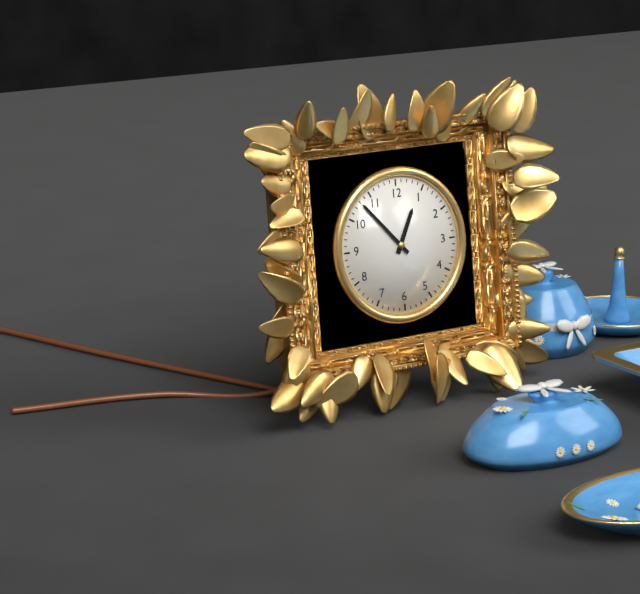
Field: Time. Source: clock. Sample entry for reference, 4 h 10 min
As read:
12 h 53 min
